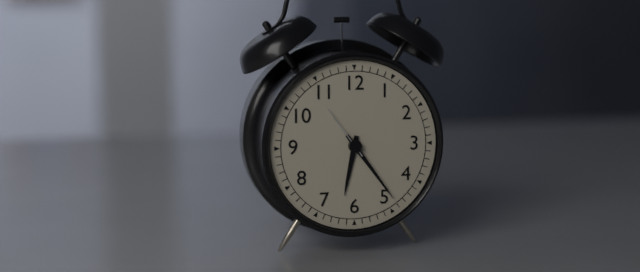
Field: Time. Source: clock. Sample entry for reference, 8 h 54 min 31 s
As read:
6 h 24 min 54 s
